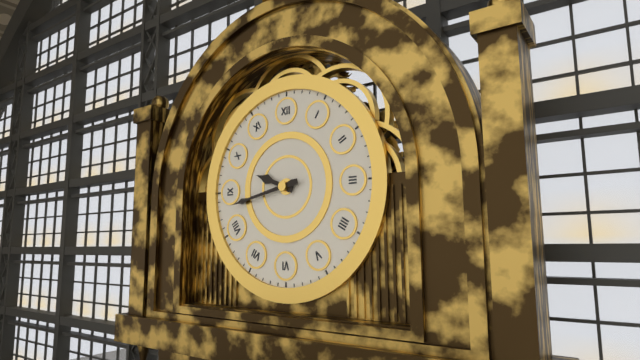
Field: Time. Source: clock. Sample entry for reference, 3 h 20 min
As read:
9 h 43 min
